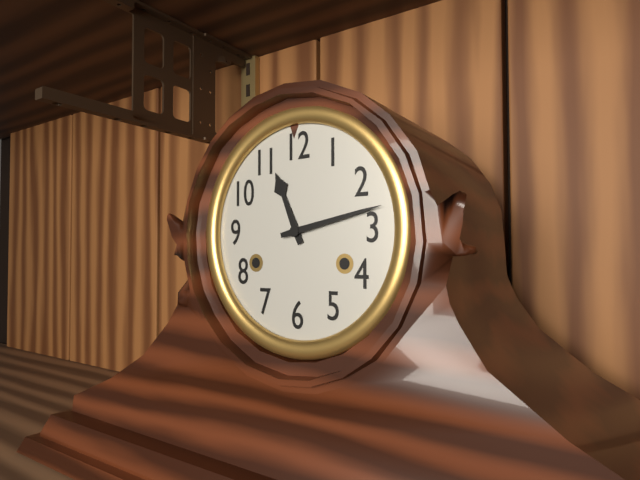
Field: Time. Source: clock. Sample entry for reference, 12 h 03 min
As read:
11 h 13 min
